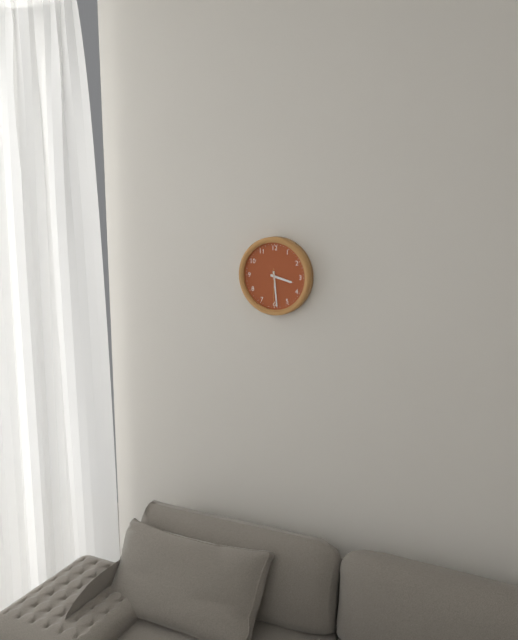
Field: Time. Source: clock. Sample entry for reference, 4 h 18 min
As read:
3 h 29 min
